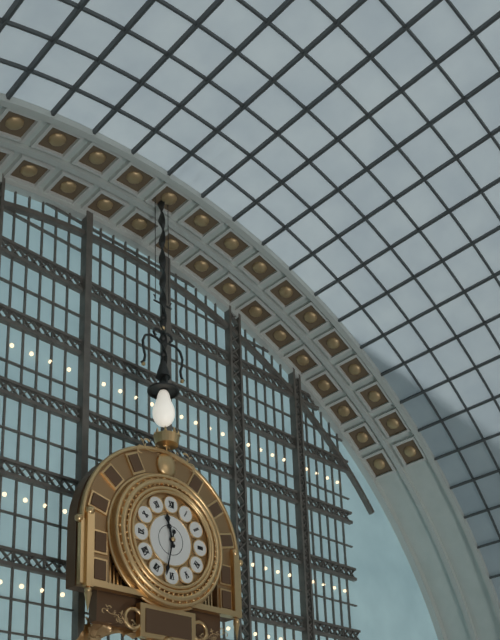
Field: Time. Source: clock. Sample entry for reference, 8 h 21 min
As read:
11 h 32 min
